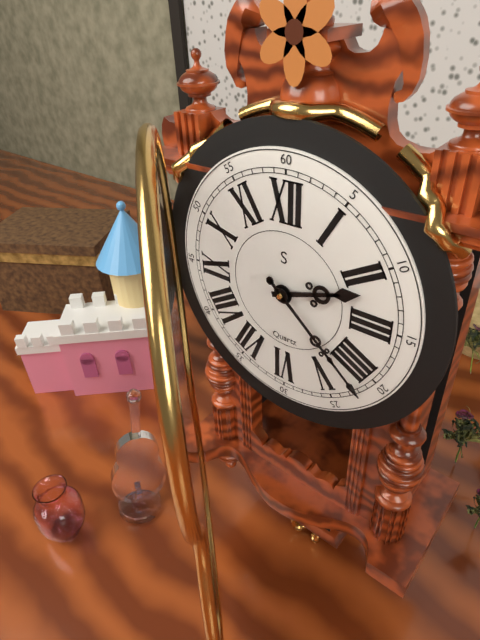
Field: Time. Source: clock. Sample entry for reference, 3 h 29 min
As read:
2 h 22 min
